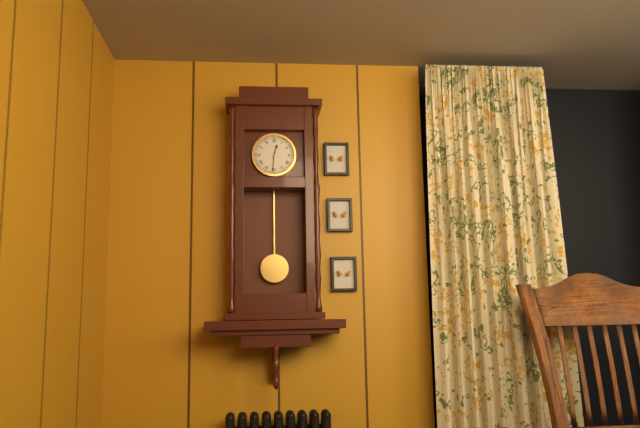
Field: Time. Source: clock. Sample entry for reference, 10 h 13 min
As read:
12 h 31 min
